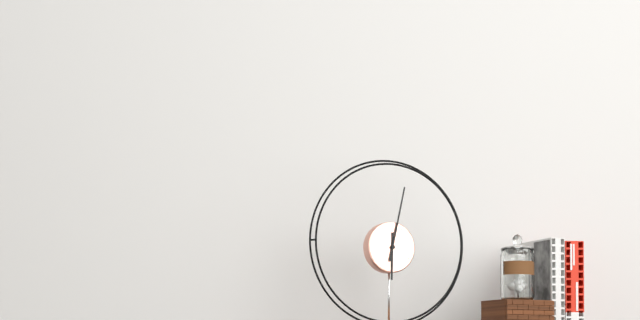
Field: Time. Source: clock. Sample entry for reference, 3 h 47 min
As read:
6 h 02 min
